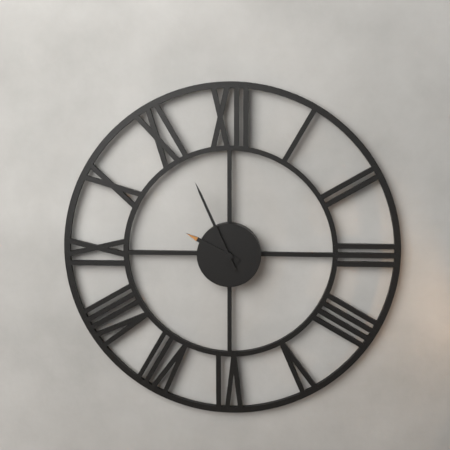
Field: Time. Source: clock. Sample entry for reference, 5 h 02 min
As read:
9 h 56 min
